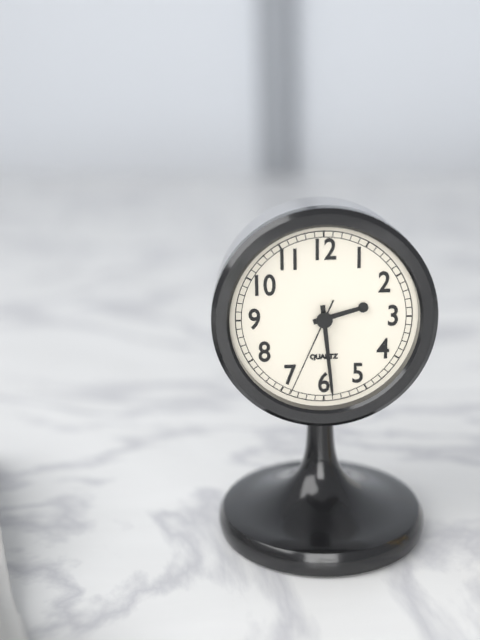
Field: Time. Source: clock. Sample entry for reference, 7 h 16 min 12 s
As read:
2 h 29 min 34 s
